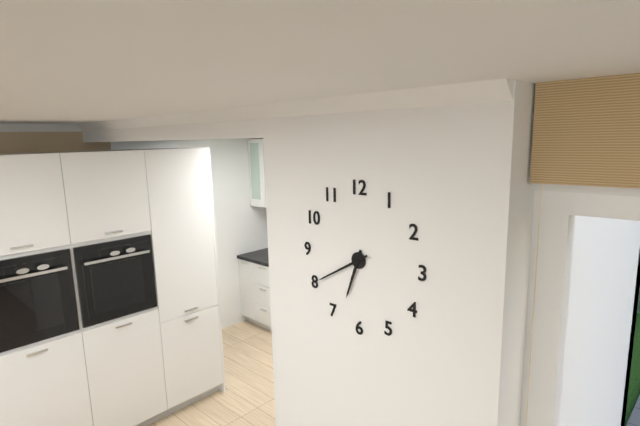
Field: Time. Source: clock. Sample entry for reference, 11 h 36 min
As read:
6 h 40 min
